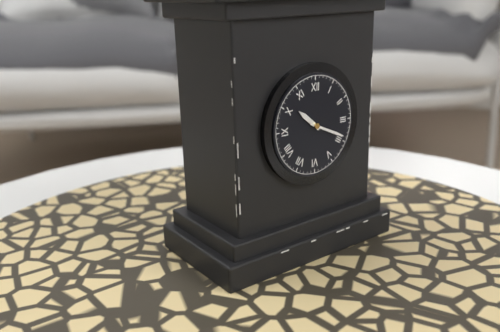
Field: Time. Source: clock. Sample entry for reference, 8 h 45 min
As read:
10 h 19 min
